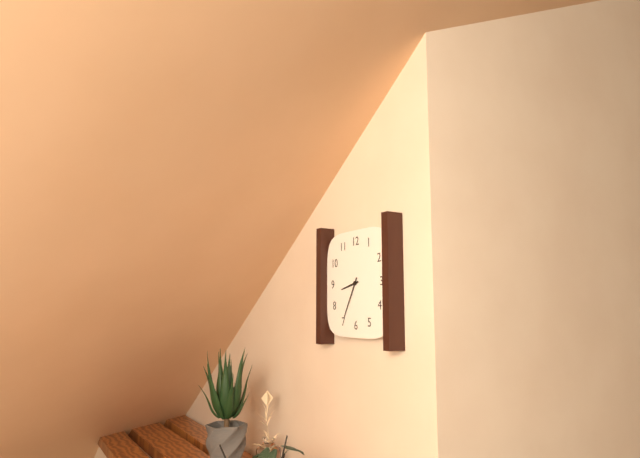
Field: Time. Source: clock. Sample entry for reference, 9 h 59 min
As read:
8 h 35 min
